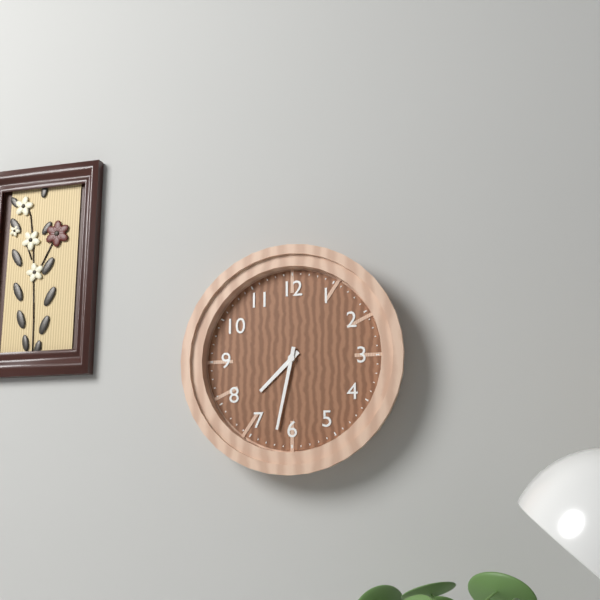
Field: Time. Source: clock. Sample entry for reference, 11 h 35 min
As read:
7 h 32 min
